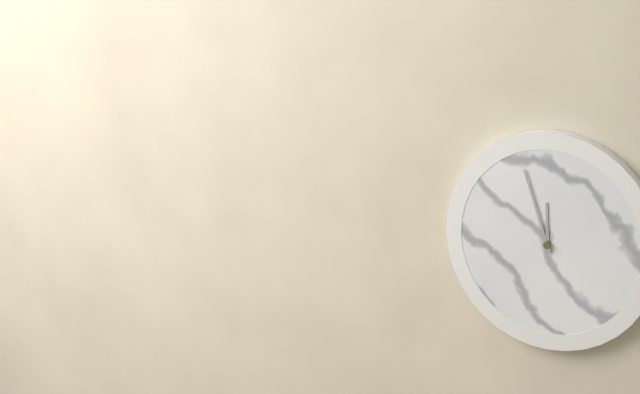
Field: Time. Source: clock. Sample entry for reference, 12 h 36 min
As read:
11 h 57 min
